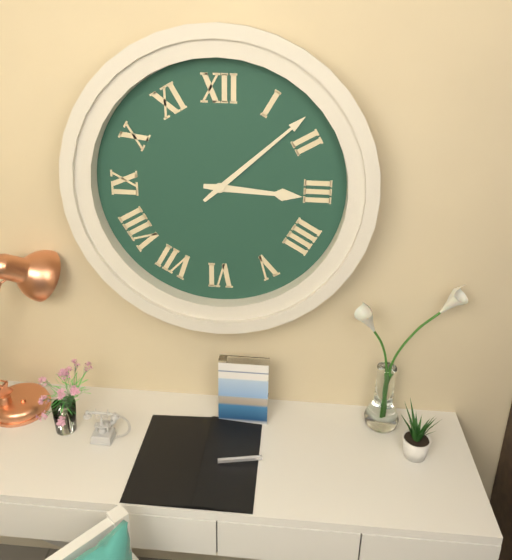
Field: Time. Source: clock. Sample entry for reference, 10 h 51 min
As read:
3 h 08 min
